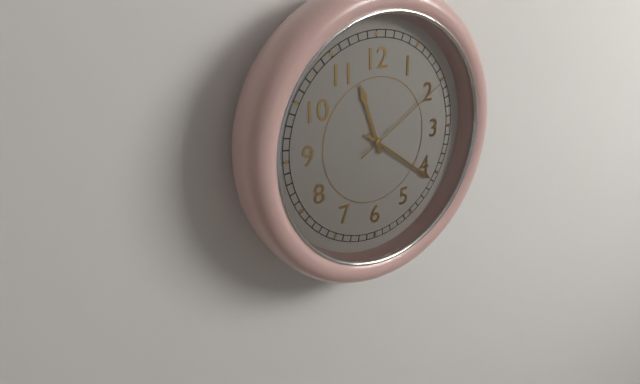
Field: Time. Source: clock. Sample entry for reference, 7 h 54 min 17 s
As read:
11 h 21 min 10 s
